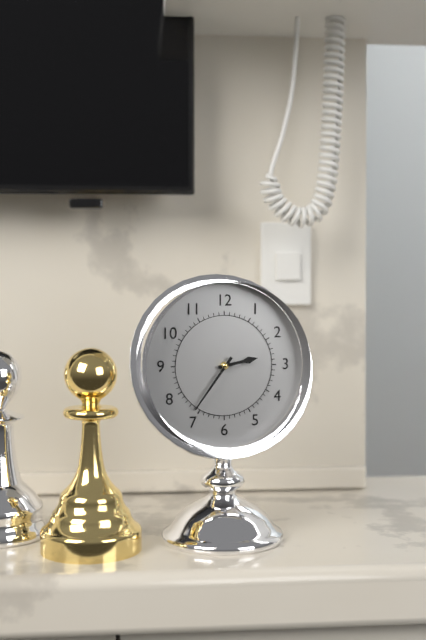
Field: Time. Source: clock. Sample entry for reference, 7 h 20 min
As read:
2 h 36 min
